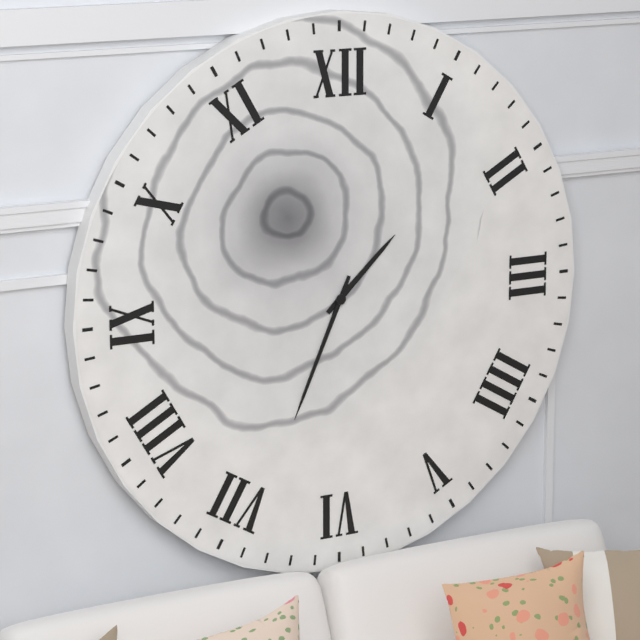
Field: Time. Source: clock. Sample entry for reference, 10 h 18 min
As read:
1 h 34 min
